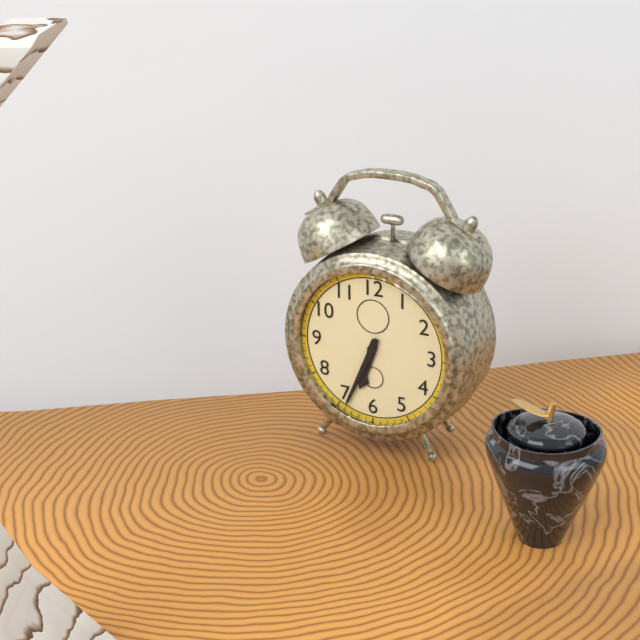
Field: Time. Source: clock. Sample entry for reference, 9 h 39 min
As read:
6 h 34 min
